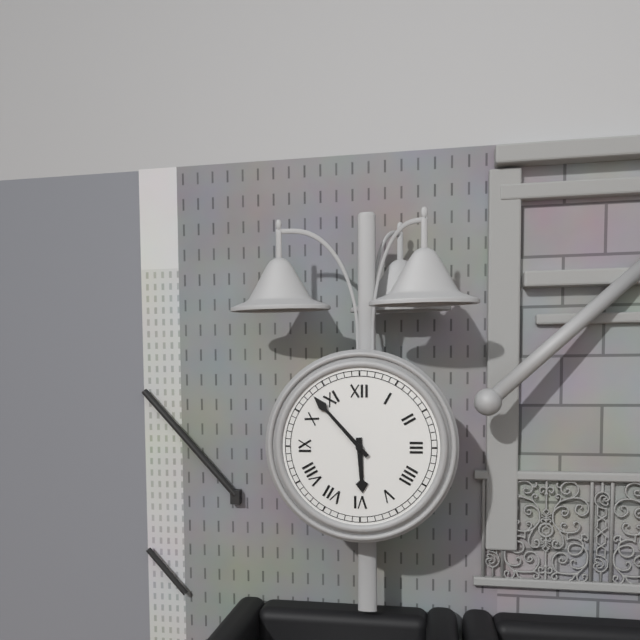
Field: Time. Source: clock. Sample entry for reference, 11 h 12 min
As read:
5 h 53 min
